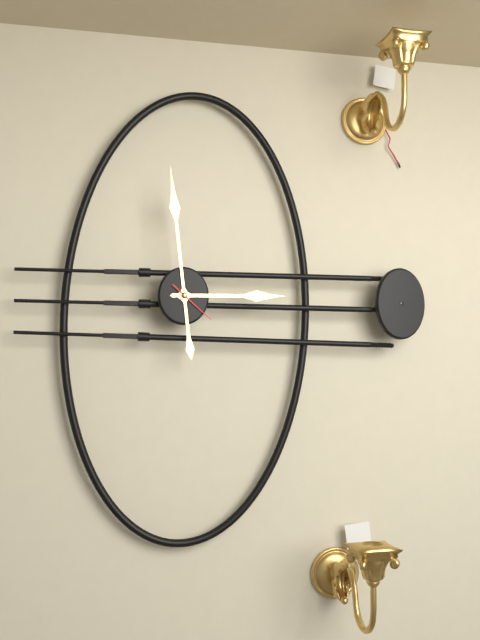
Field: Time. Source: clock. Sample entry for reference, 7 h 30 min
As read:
2 h 59 min
